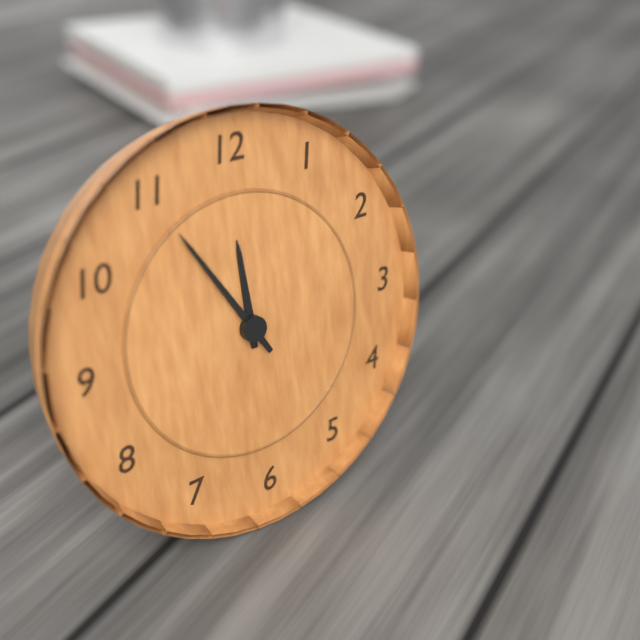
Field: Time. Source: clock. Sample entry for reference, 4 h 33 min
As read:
11 h 55 min
